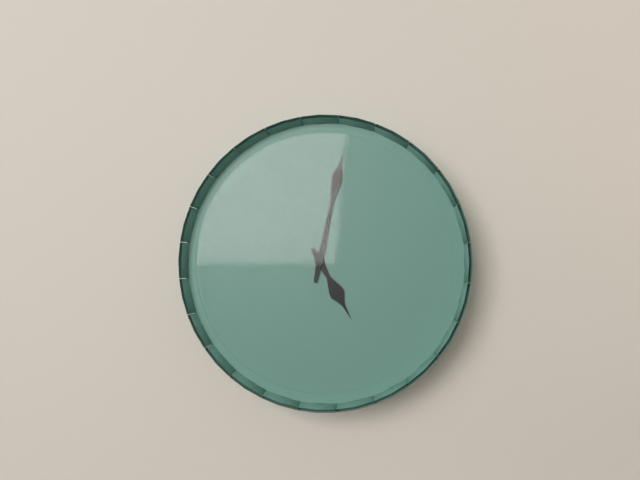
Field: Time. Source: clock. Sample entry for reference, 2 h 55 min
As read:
5 h 02 min
